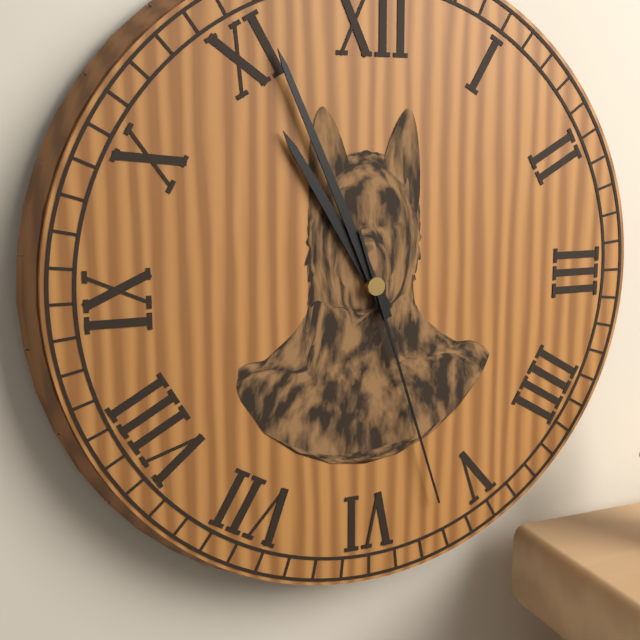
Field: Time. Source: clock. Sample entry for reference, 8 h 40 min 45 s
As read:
10 h 56 min 27 s
